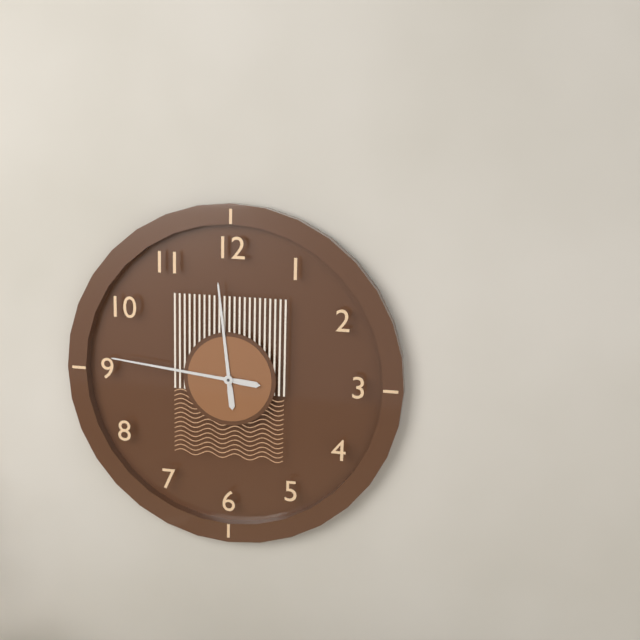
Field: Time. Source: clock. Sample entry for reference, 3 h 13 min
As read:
11 h 46 min
